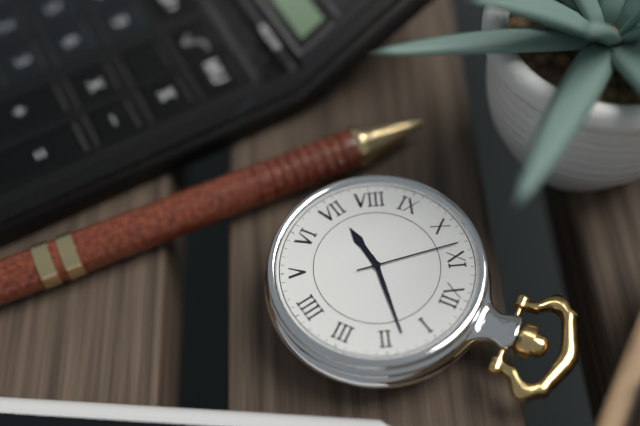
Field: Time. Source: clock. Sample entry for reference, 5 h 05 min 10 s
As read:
7 h 08 min 53 s
